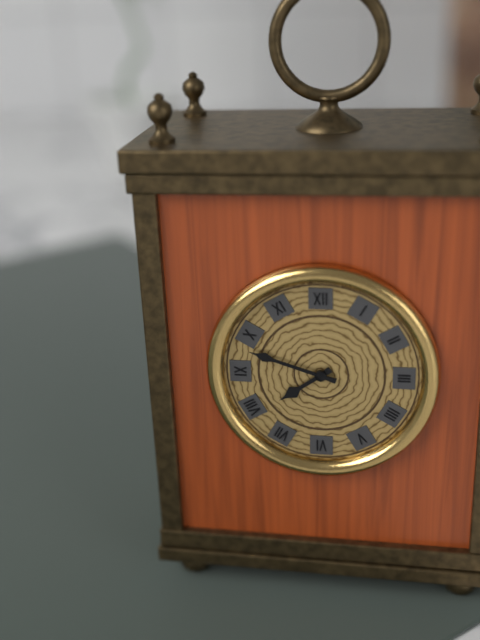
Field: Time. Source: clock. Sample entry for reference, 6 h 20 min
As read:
7 h 48 min
